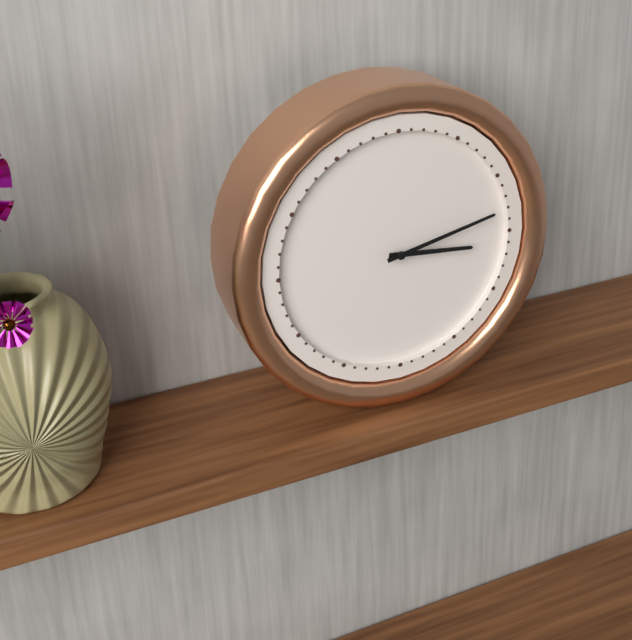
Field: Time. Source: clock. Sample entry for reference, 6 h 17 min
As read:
3 h 13 min
